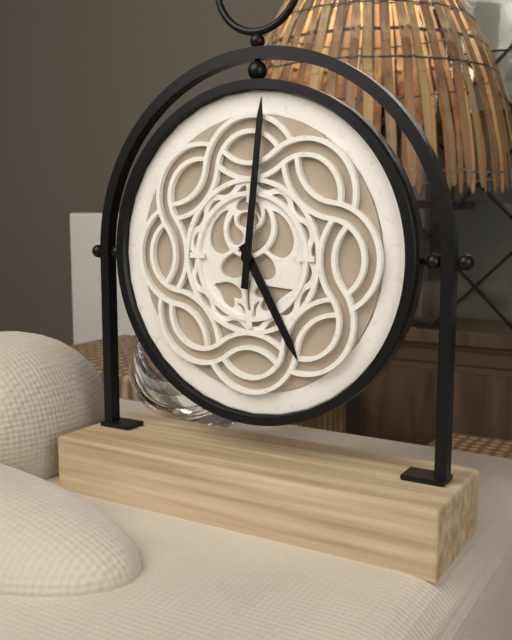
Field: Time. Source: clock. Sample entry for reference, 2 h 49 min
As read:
5 h 01 min
